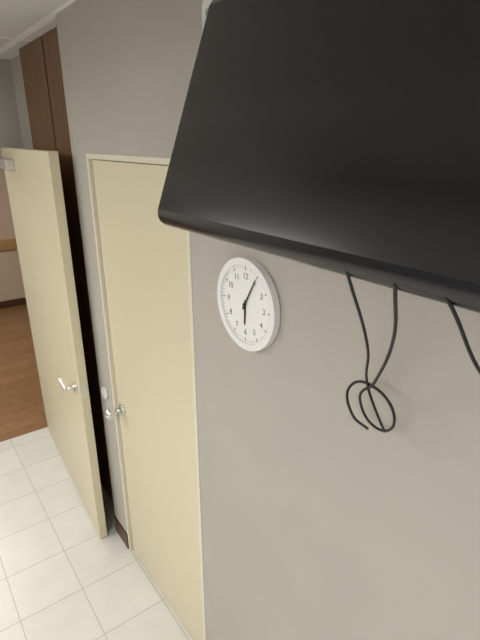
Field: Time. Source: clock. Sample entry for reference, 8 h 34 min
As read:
6 h 05 min
